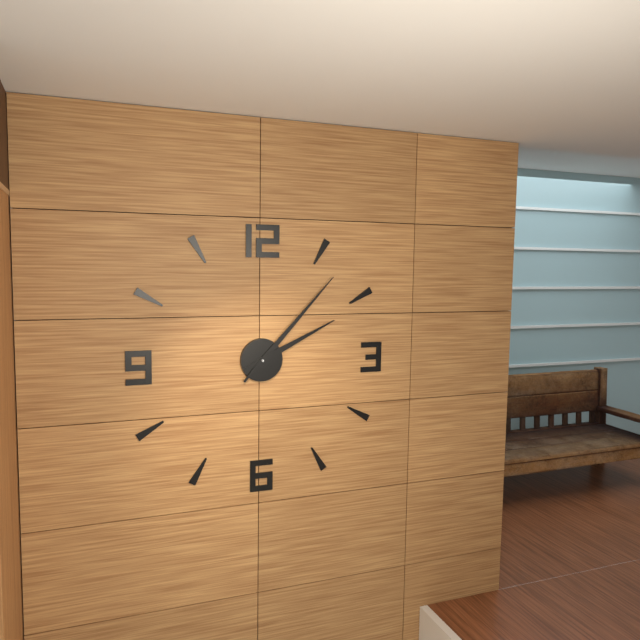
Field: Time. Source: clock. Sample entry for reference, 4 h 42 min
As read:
2 h 07 min
